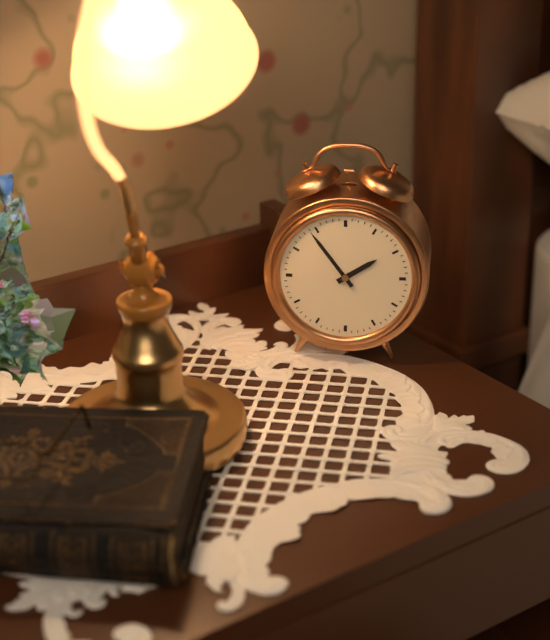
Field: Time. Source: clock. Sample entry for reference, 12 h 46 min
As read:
1 h 54 min
